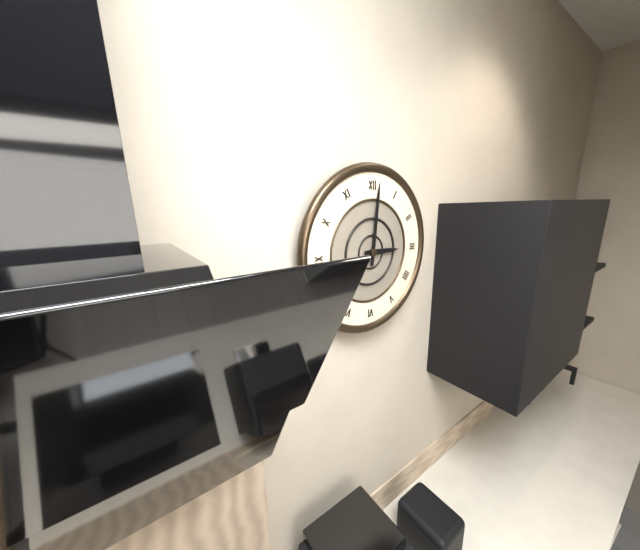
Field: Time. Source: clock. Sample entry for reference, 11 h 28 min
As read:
3 h 01 min
